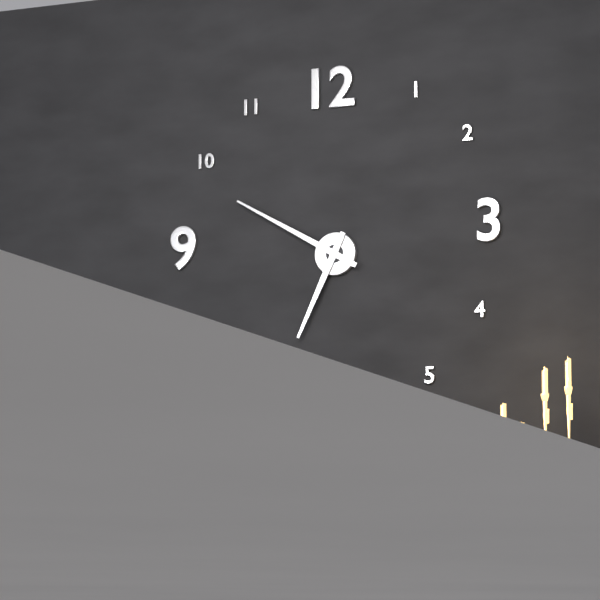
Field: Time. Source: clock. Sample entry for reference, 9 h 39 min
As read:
6 h 50 min
